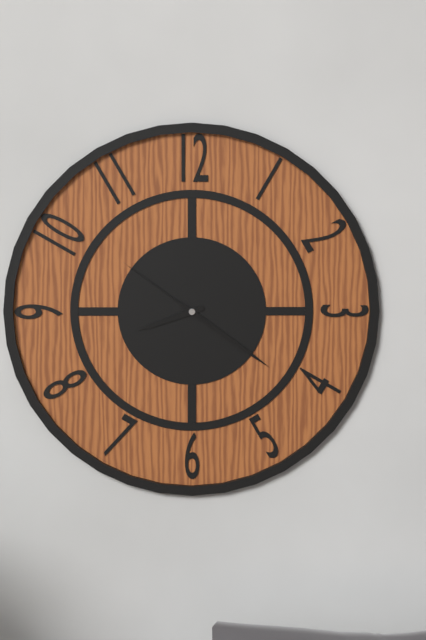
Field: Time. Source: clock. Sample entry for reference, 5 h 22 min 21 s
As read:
8 h 21 min 51 s
